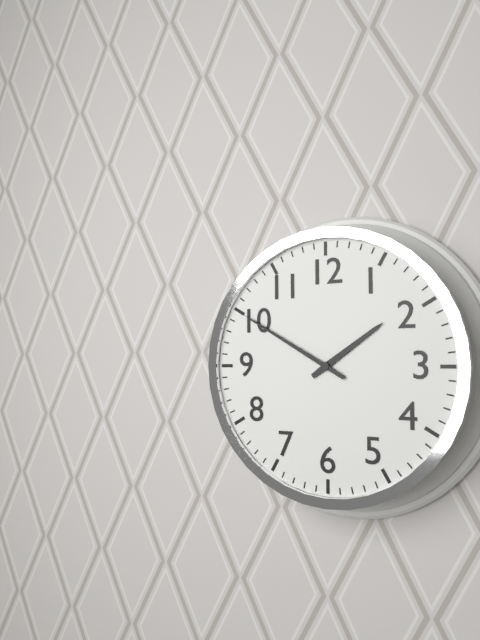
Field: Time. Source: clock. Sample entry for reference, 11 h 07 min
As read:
1 h 50 min
